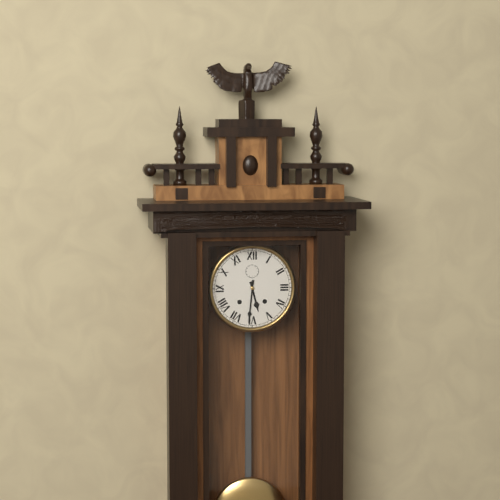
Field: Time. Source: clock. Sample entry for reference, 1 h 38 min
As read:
5 h 31 min
